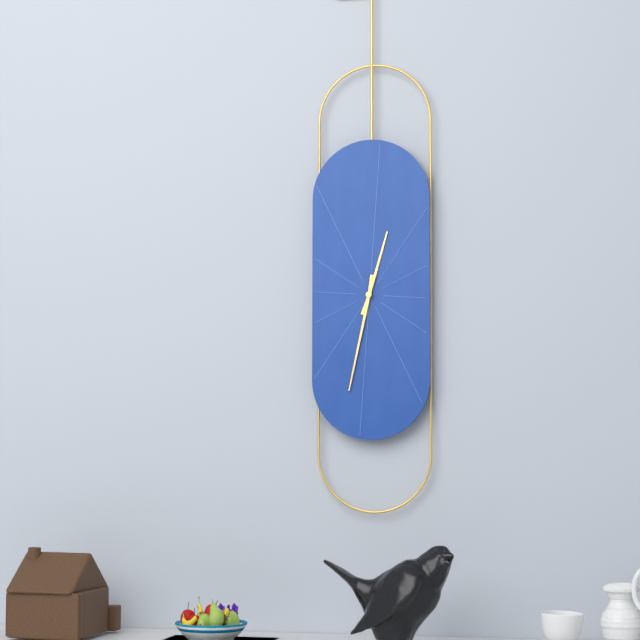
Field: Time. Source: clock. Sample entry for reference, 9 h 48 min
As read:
12 h 32 min
